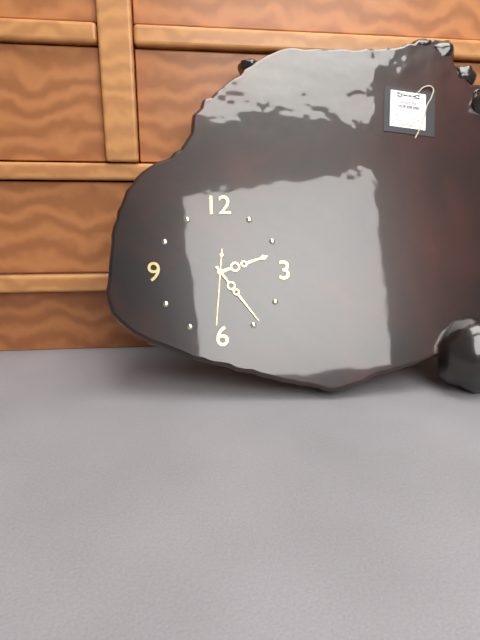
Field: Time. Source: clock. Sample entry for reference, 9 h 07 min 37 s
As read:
2 h 24 min 31 s
